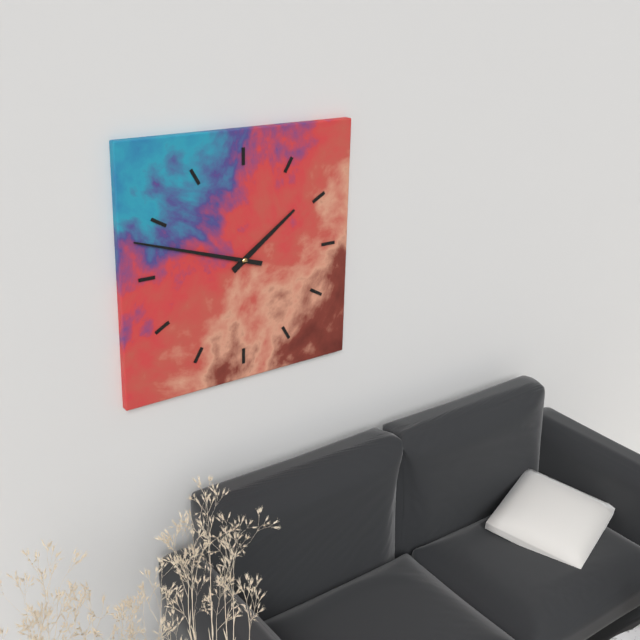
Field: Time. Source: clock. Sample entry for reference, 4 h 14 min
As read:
1 h 48 min
